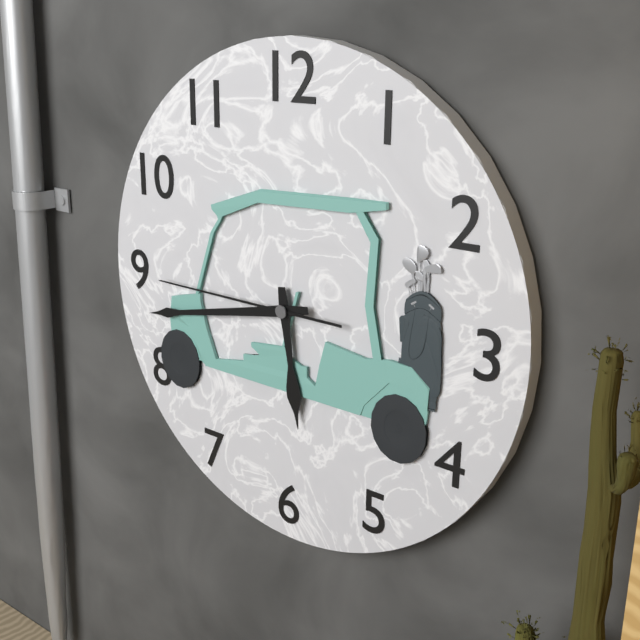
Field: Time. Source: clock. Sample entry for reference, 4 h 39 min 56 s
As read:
5 h 43 min 45 s
